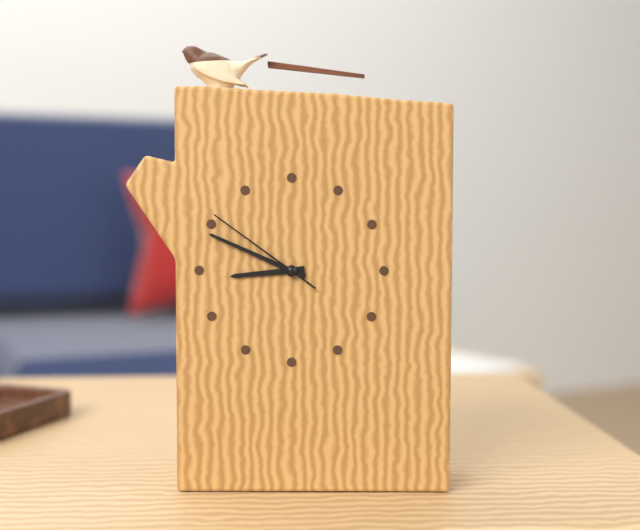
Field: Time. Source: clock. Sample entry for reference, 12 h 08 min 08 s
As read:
8 h 49 min 51 s
